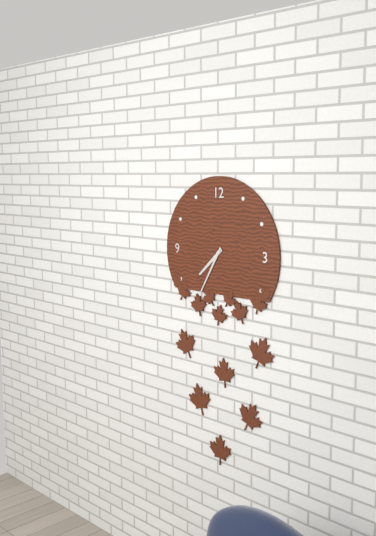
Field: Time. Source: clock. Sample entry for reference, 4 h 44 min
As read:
7 h 35 min
